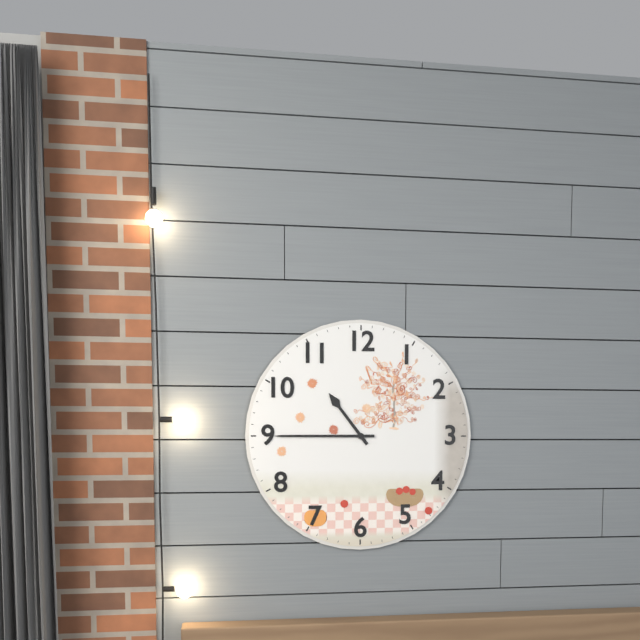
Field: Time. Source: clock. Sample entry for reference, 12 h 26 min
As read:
10 h 45 min
